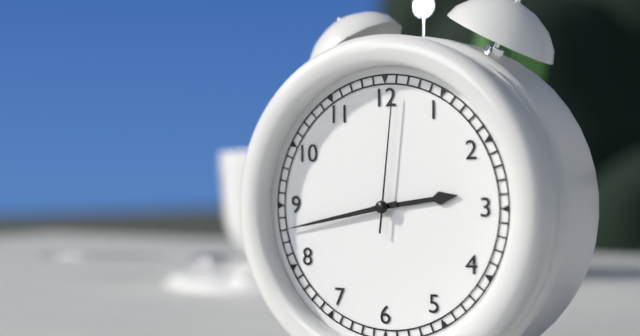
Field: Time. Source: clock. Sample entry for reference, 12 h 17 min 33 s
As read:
2 h 43 min 01 s
